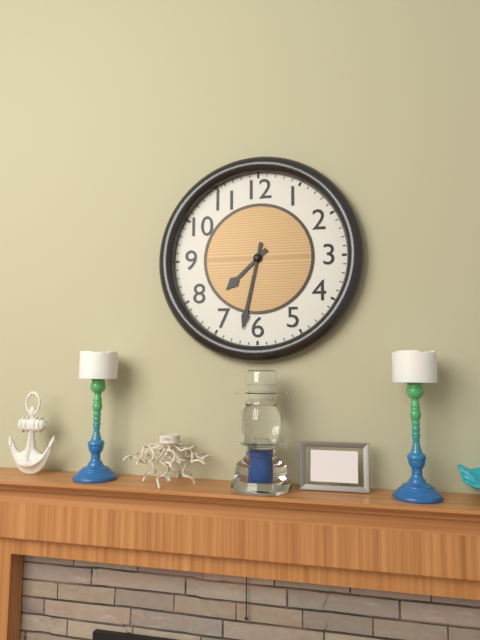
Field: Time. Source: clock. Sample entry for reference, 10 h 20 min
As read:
7 h 32 min
